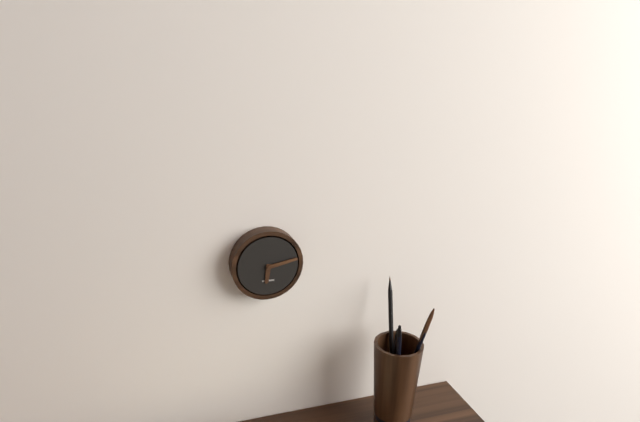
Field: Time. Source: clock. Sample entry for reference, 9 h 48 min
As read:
6 h 13 min
